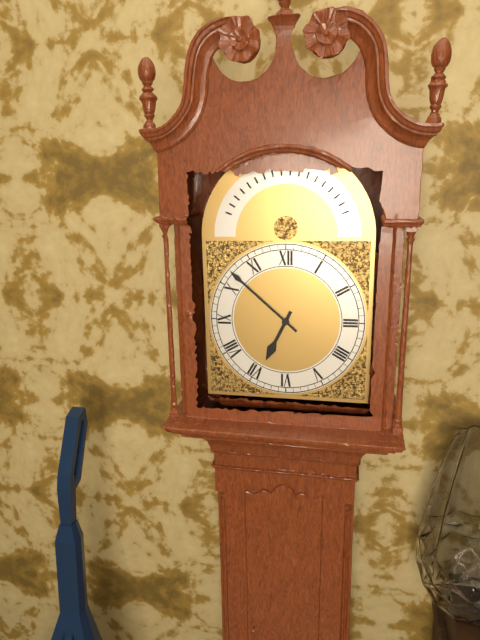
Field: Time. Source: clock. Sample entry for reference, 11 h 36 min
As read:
6 h 52 min
